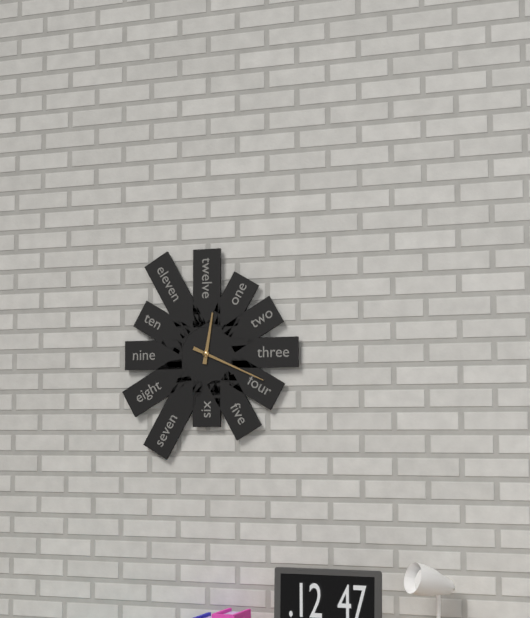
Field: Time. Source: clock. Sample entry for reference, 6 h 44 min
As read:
12 h 19 min
